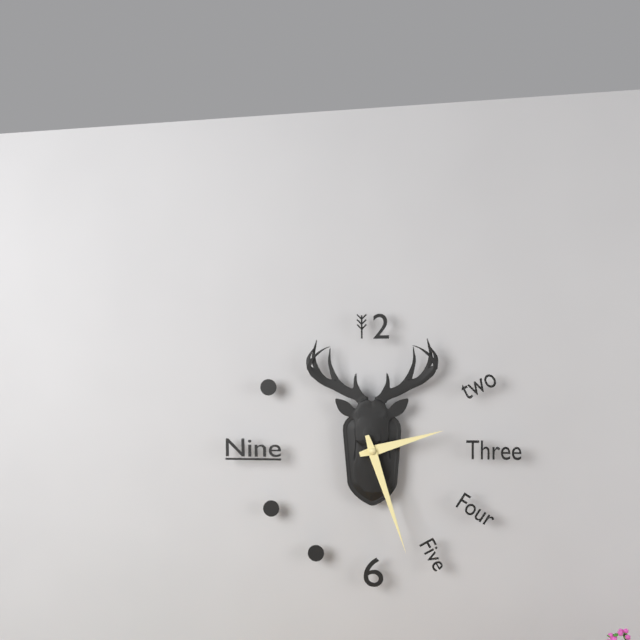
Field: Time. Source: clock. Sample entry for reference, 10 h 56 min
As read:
2 h 27 min
